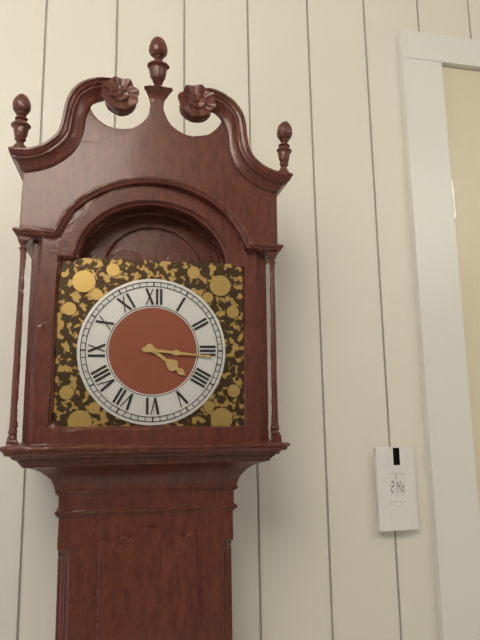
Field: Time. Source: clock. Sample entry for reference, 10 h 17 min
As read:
4 h 16 min
